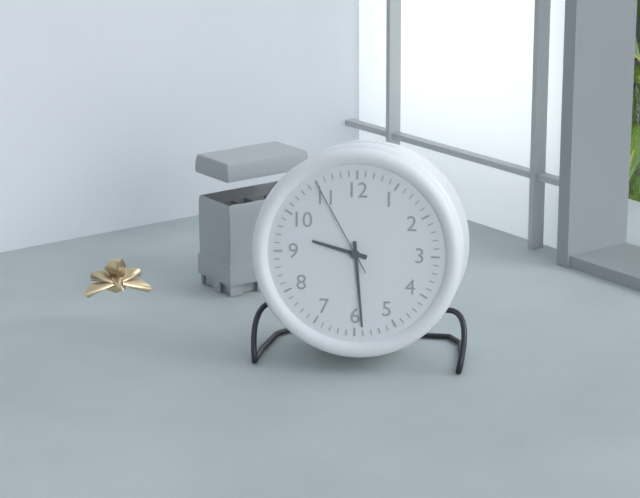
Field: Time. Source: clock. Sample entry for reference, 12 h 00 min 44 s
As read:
9 h 29 min 55 s
